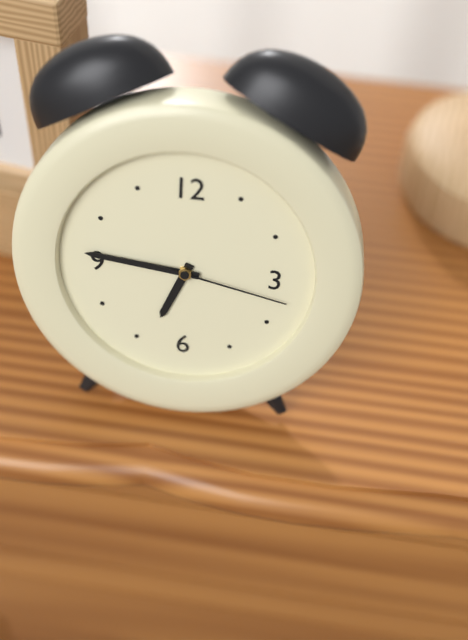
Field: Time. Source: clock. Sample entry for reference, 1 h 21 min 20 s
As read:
6 h 46 min 17 s
